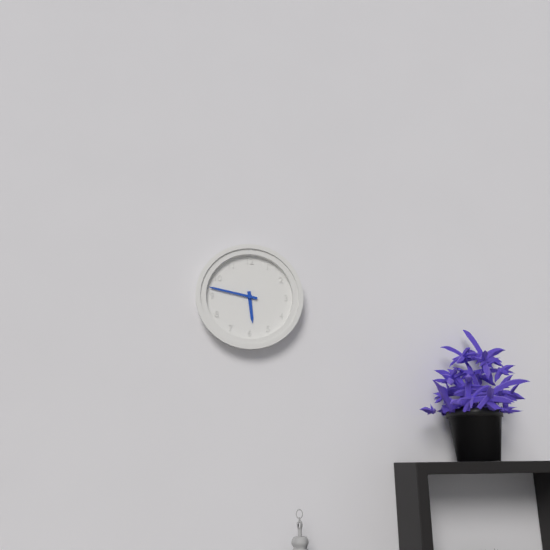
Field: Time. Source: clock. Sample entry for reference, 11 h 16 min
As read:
5 h 47 min
